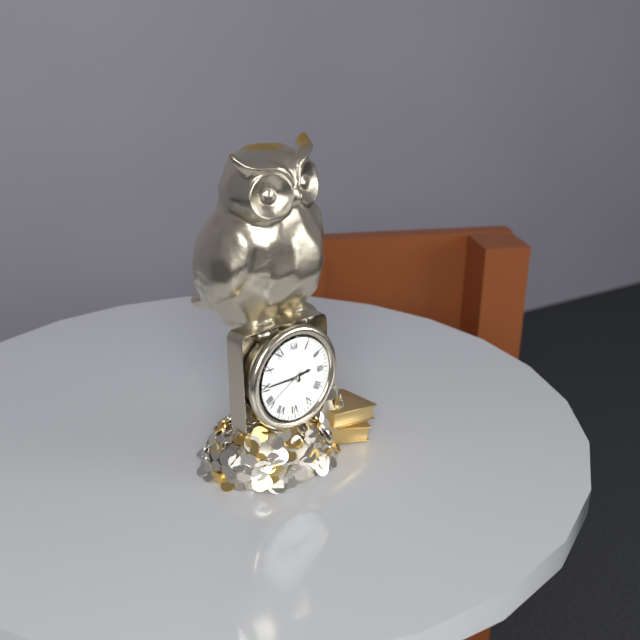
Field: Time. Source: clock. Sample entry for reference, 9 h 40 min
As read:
2 h 45 min
